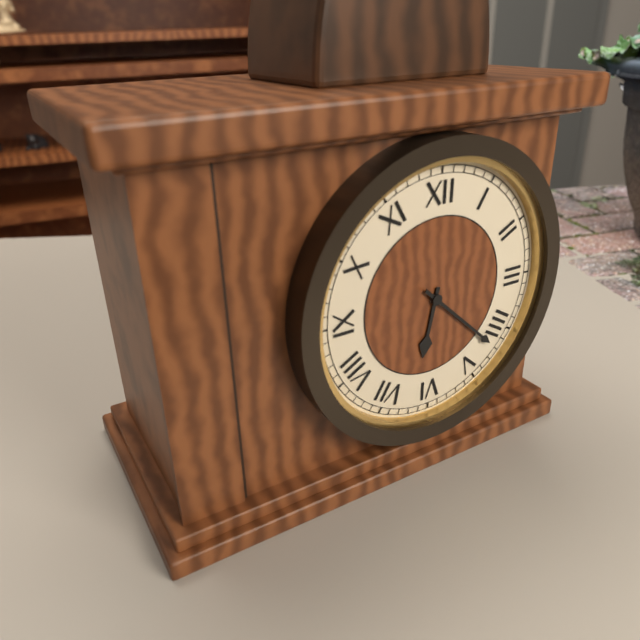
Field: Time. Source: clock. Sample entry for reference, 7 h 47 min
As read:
6 h 22 min
